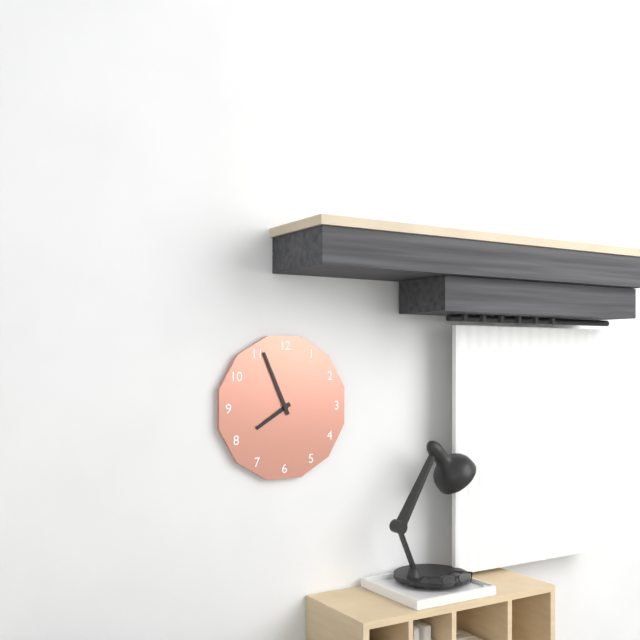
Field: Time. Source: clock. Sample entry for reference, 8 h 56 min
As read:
7 h 56 min
